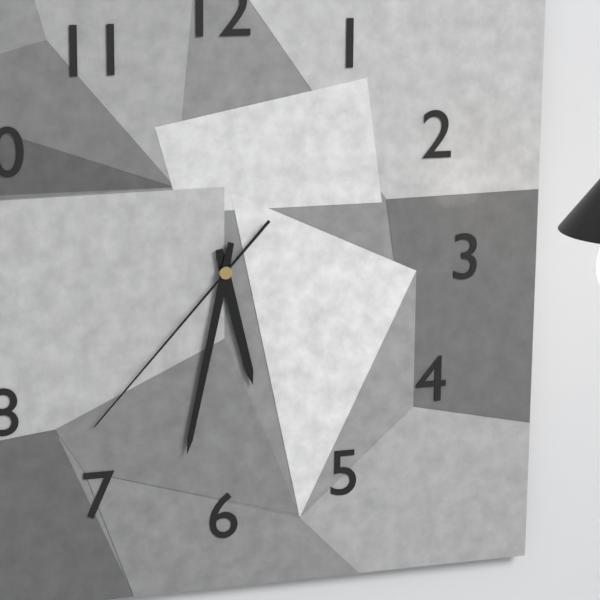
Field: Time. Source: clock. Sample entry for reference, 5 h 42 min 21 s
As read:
5 h 32 min 37 s
